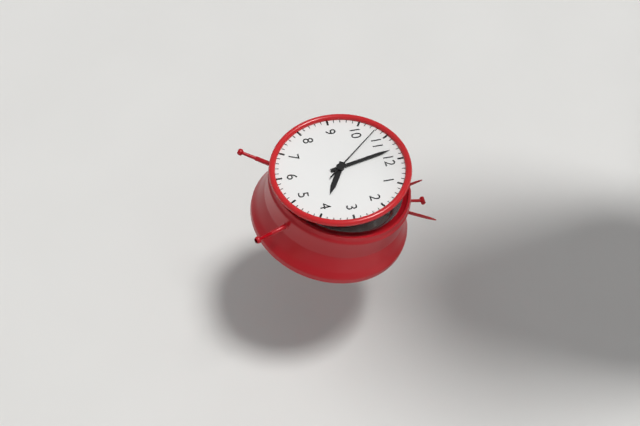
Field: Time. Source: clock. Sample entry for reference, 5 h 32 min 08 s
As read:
3 h 58 min 53 s
